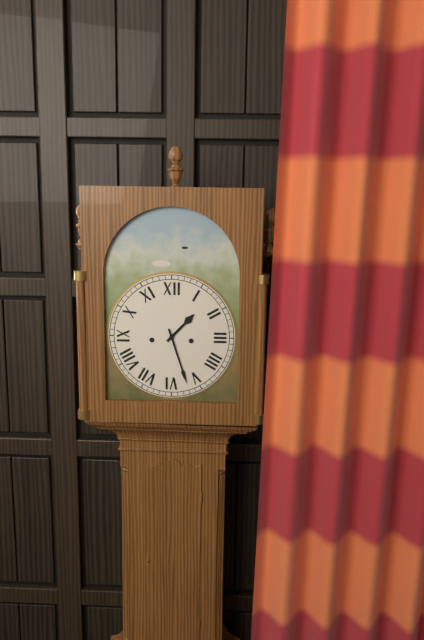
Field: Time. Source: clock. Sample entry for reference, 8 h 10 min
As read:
1 h 27 min
